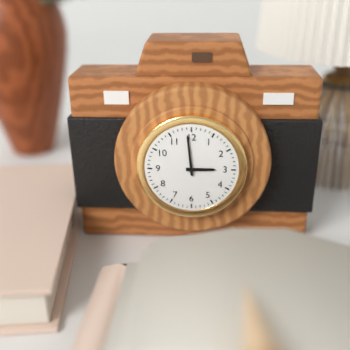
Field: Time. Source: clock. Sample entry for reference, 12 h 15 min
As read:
2 h 59 min
